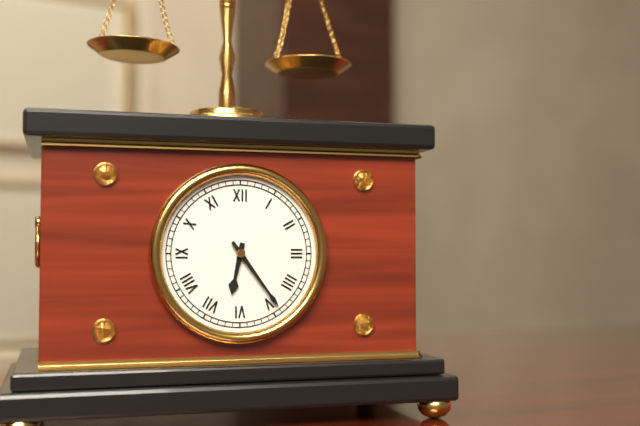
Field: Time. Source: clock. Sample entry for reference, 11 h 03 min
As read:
6 h 24 min
